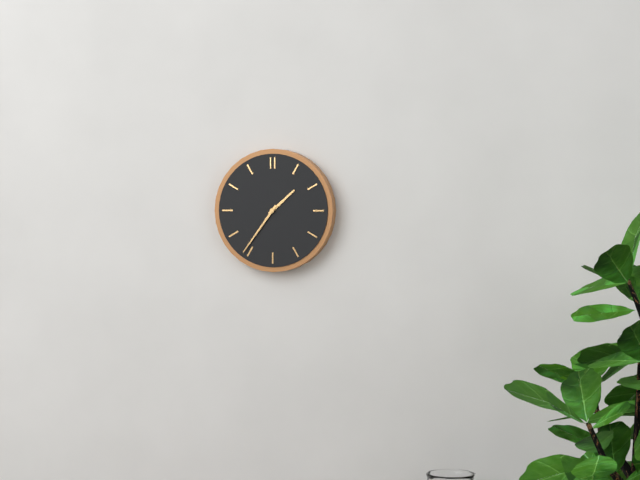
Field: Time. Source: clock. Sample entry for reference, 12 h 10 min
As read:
1 h 36 min
